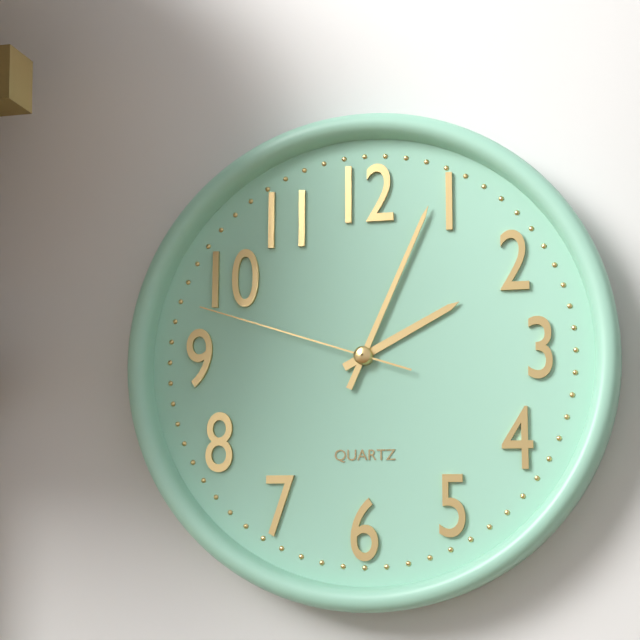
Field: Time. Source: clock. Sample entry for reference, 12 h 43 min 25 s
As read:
2 h 04 min 48 s
